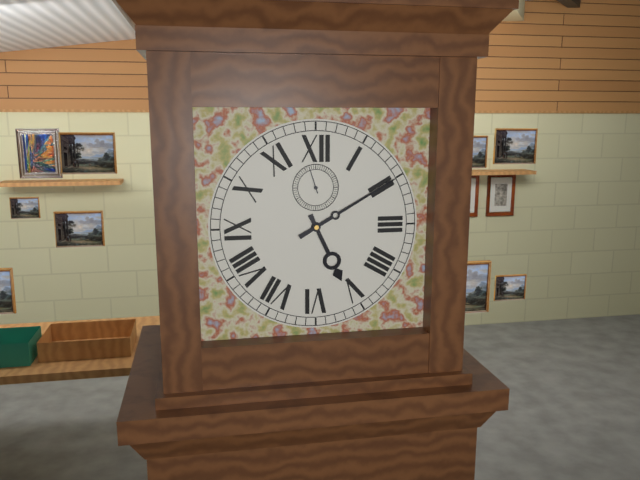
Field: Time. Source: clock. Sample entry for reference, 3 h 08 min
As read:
5 h 10 min
